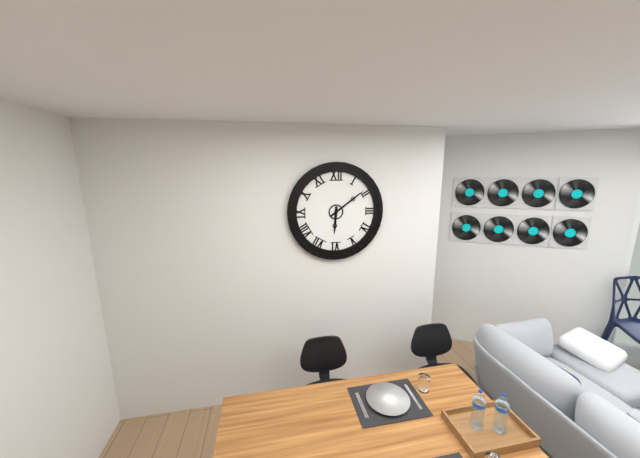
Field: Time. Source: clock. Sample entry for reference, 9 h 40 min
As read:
6 h 09 min
